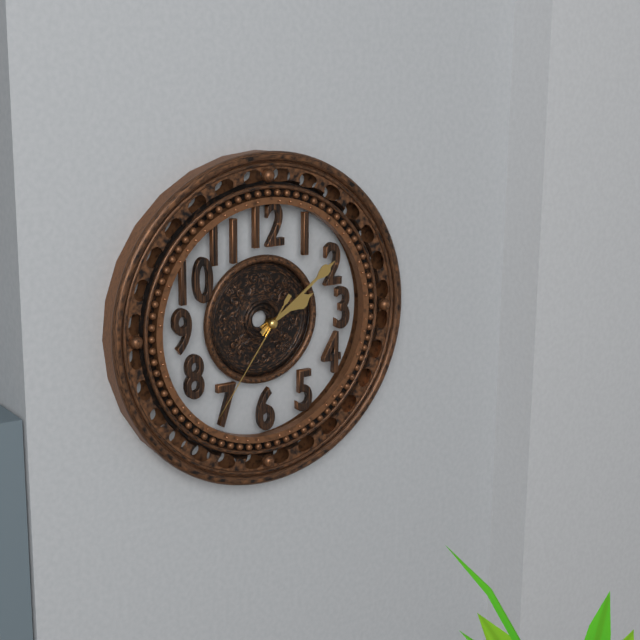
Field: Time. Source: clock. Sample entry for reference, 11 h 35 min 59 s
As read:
2 h 09 min 36 s
